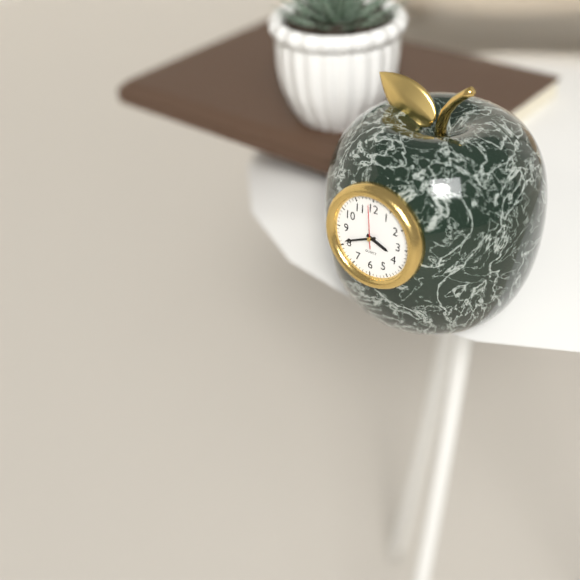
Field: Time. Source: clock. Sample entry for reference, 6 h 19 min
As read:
3 h 41 min
